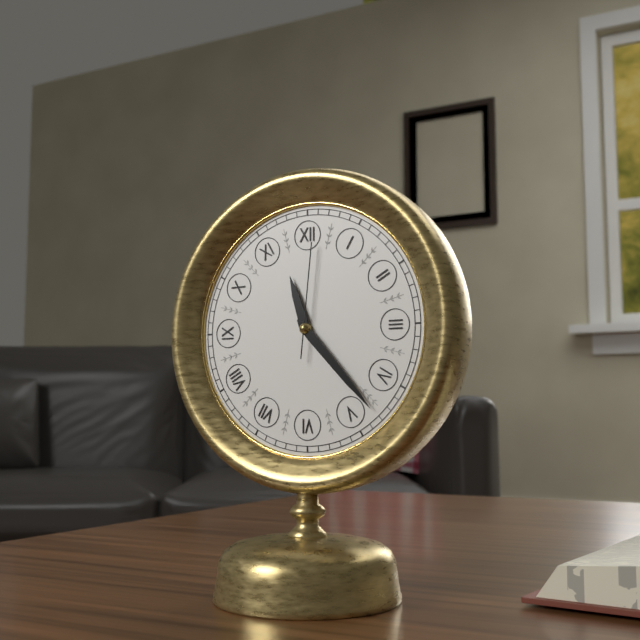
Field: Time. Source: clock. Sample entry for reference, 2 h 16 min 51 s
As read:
11 h 23 min 01 s
